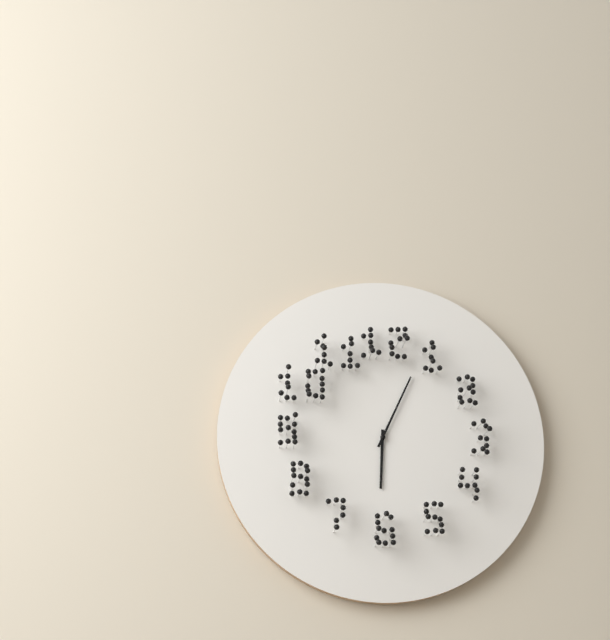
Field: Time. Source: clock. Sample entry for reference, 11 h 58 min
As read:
6 h 04 min
